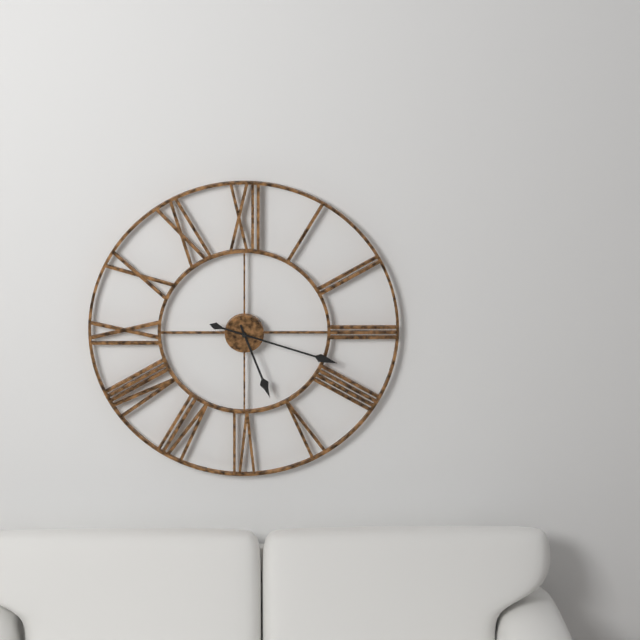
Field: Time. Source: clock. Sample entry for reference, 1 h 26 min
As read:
5 h 18 min
